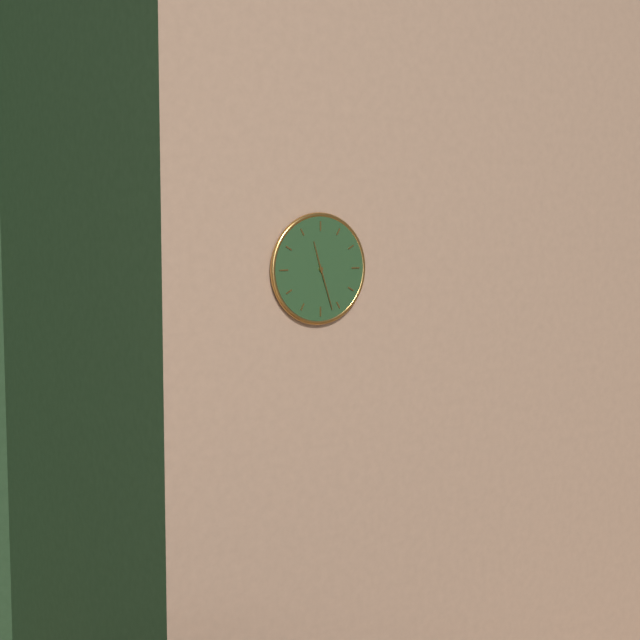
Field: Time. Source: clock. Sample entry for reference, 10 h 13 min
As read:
11 h 27 min
